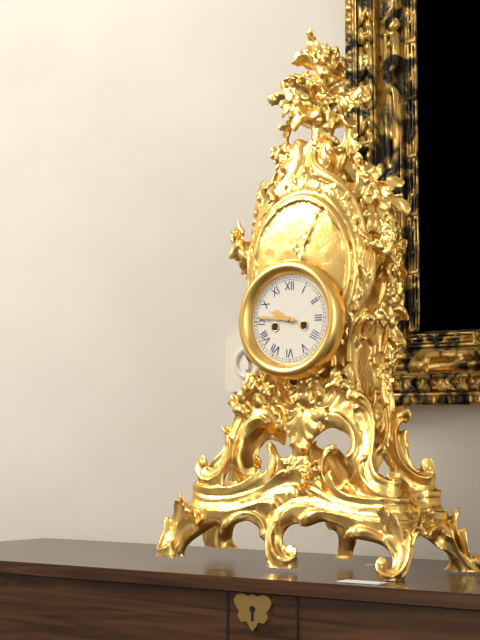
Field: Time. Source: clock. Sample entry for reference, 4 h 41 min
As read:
9 h 46 min
